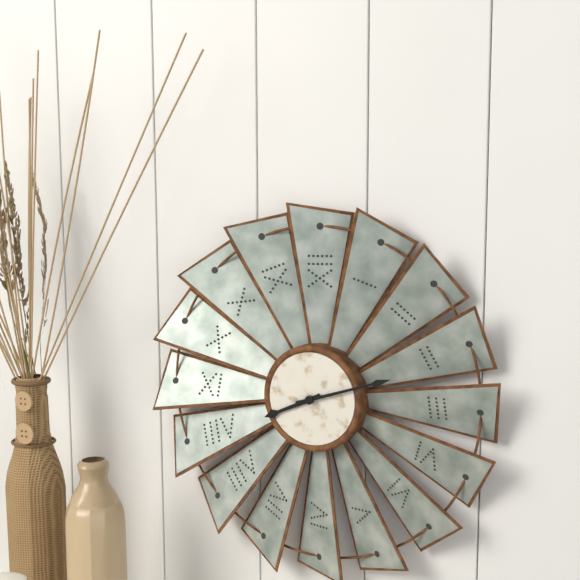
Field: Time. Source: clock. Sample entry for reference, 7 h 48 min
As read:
8 h 12 min
